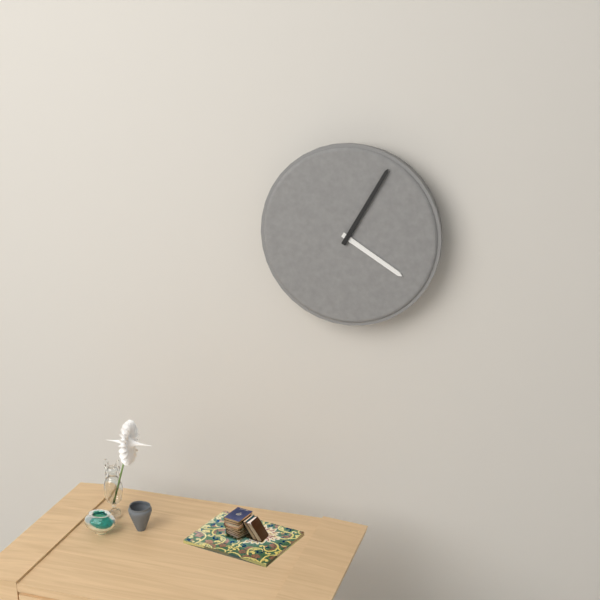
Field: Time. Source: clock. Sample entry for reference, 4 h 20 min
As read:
4 h 05 min
